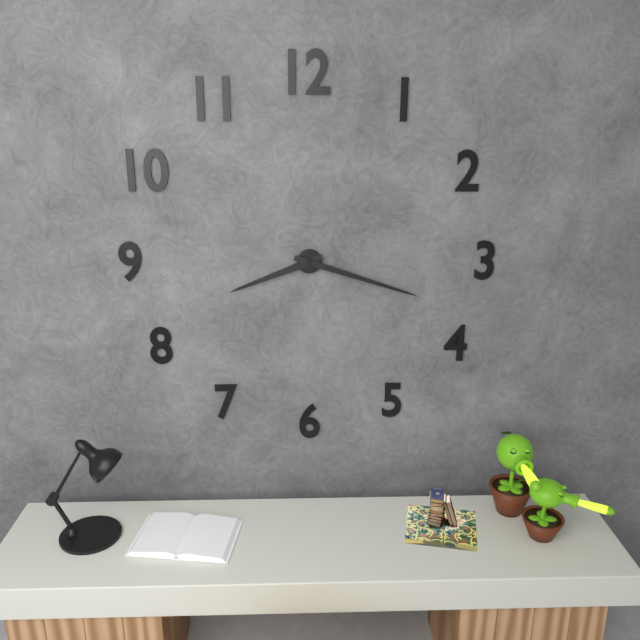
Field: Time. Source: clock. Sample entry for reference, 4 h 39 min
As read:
8 h 18 min
